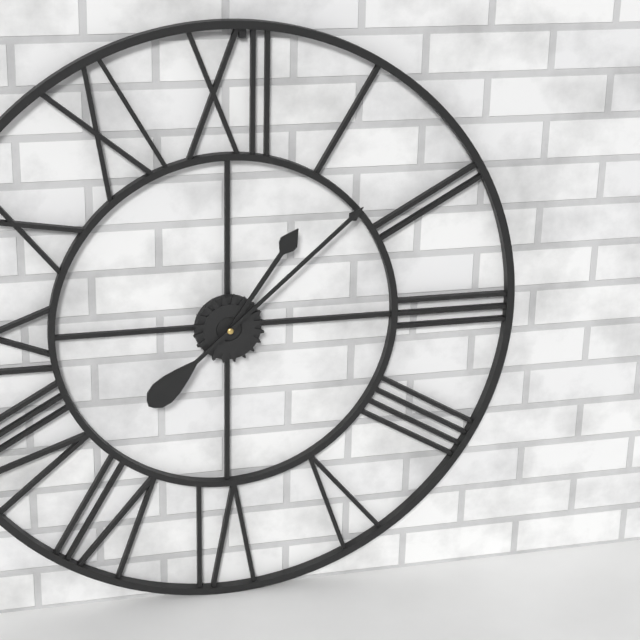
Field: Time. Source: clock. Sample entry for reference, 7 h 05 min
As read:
1 h 08 min
